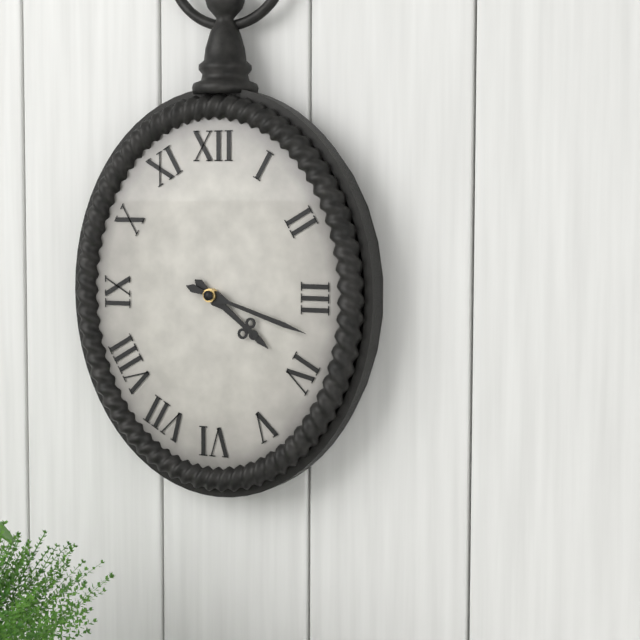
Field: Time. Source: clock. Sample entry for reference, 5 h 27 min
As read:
4 h 18 min
